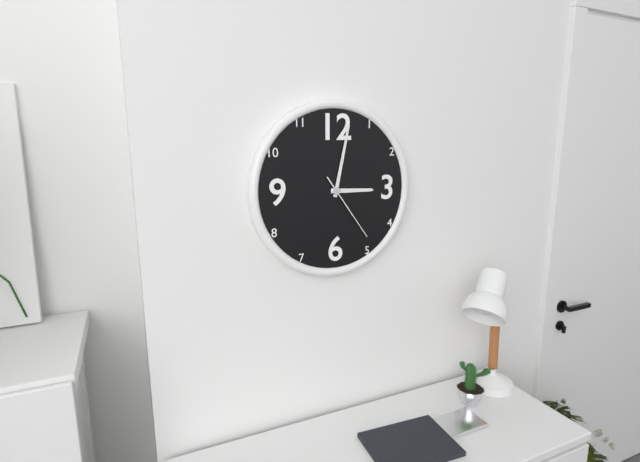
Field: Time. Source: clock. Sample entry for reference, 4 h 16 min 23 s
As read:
3 h 02 min 24 s
